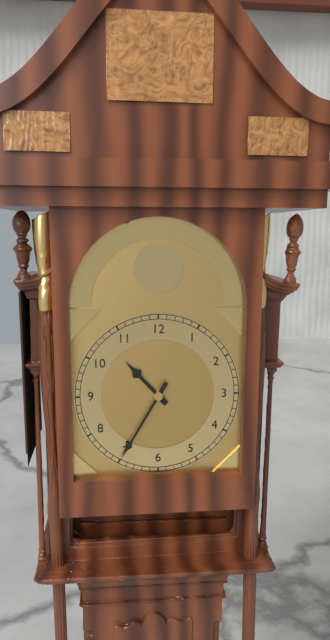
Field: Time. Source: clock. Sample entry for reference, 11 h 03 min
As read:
10 h 35 min
